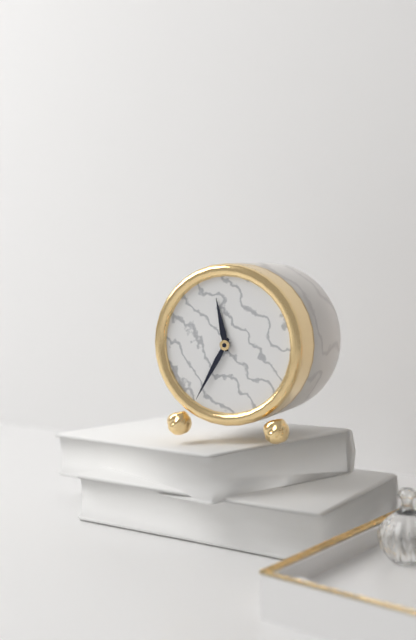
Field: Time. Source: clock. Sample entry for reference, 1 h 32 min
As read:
11 h 35 min
